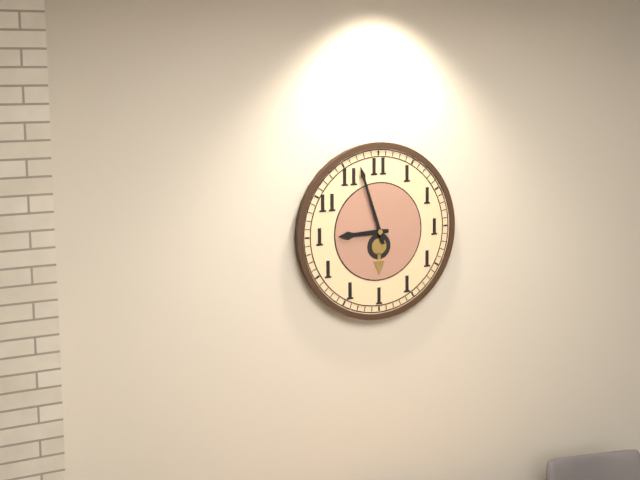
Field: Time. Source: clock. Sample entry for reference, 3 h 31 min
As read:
8 h 57 min
